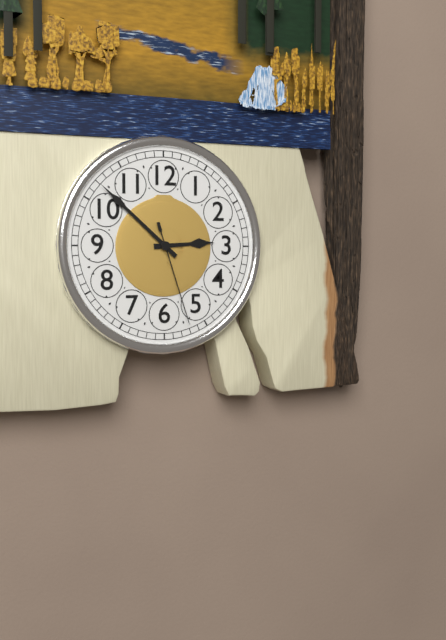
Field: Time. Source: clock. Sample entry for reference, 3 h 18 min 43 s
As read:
2 h 52 min 27 s
